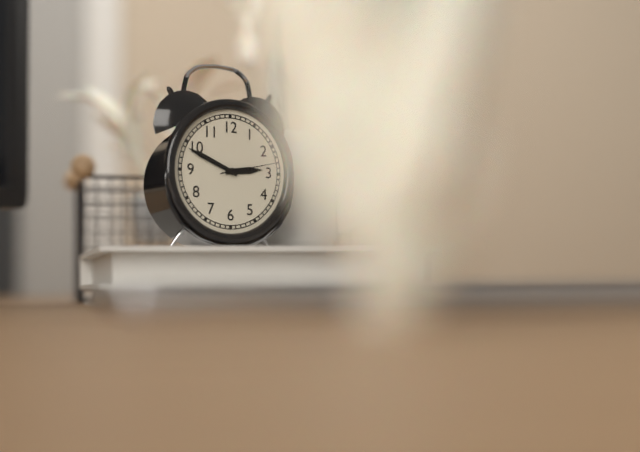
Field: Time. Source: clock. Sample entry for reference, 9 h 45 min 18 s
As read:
2 h 49 min 13 s
